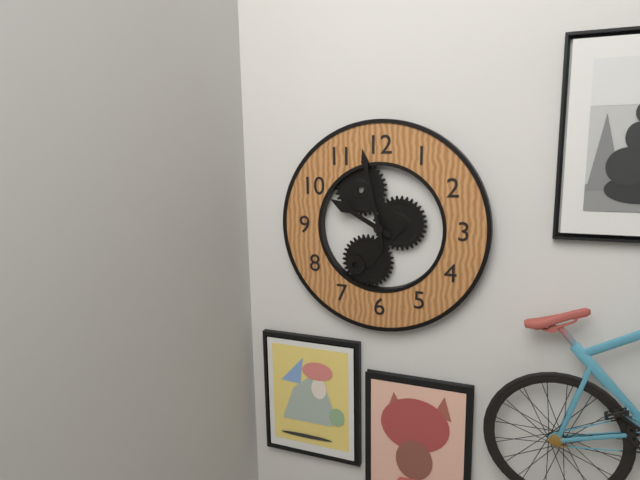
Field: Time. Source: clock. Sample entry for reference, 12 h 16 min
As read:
9 h 58 min
